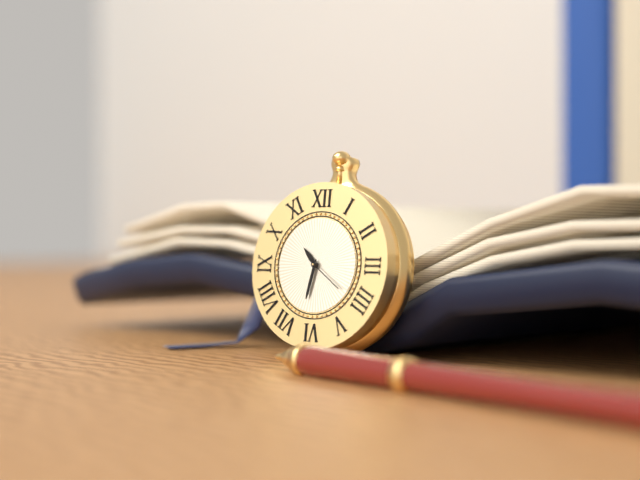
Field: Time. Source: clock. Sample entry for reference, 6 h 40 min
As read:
10 h 32 min
